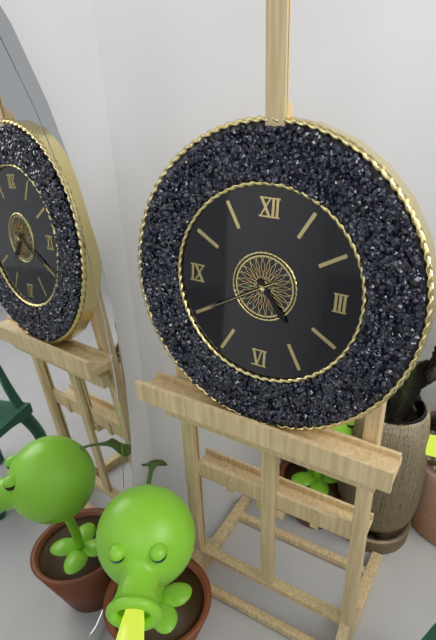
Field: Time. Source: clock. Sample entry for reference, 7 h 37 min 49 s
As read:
4 h 40 min 40 s
